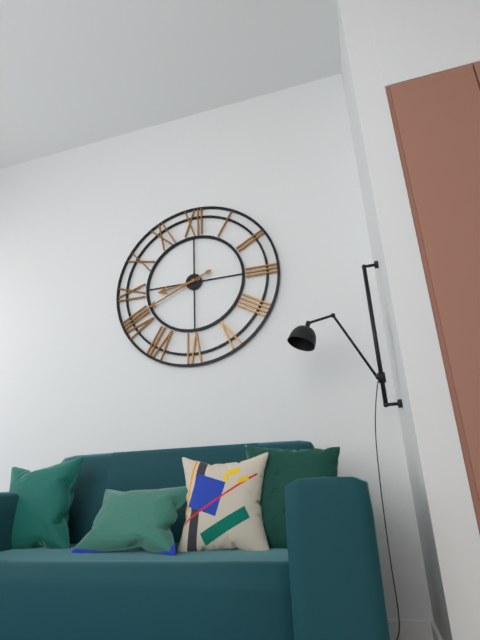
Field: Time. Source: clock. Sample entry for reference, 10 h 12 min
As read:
8 h 41 min
